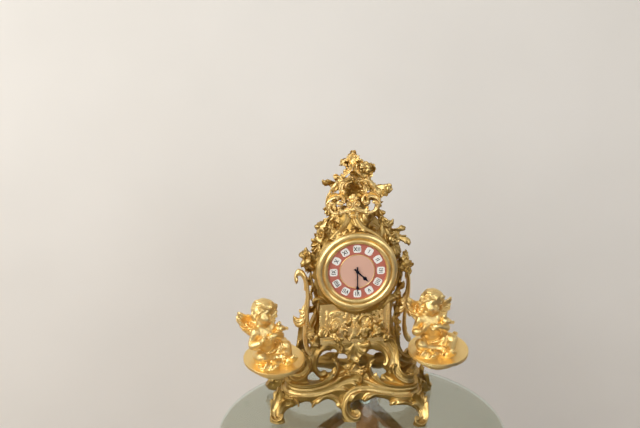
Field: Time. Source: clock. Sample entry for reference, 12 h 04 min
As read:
4 h 30 min
